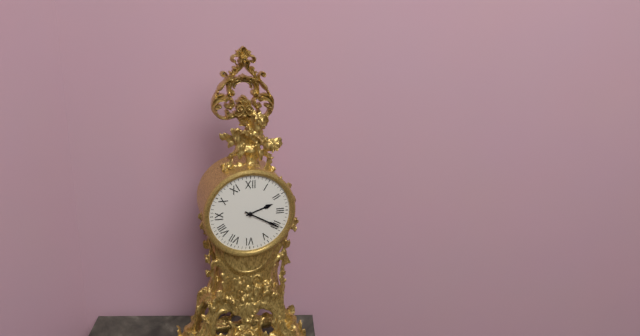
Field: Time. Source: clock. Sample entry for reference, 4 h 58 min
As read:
2 h 20 min
